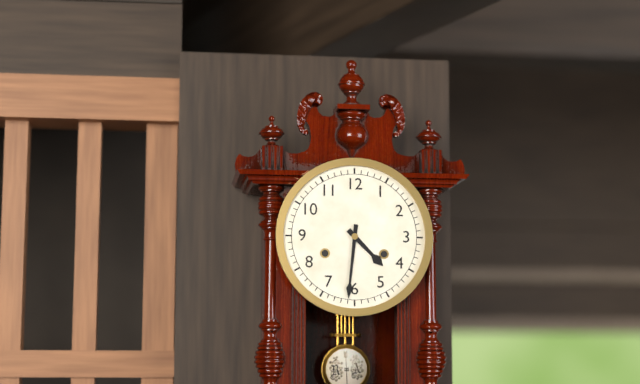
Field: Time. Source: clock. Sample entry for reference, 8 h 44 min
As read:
4 h 31 min
